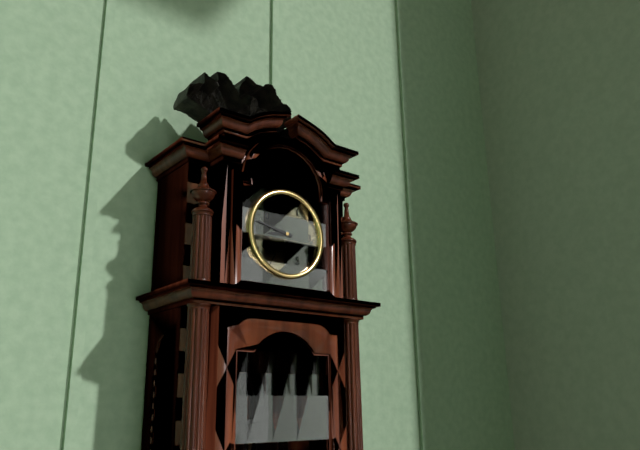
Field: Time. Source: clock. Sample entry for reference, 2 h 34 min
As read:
8 h 47 min
